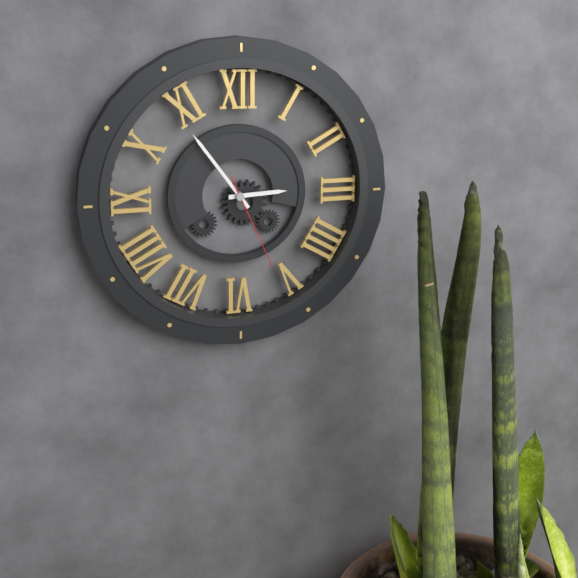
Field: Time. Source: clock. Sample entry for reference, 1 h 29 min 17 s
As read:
2 h 54 min 26 s
